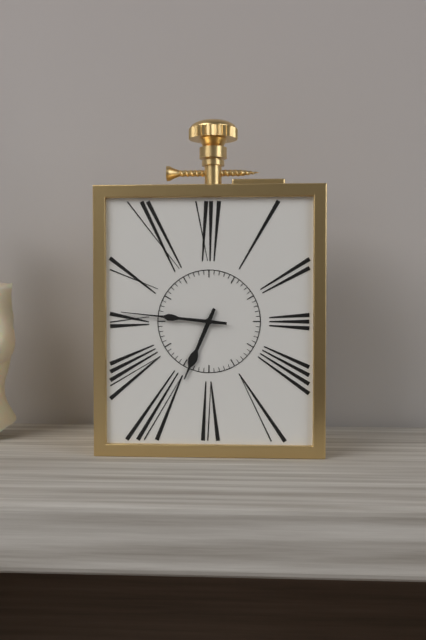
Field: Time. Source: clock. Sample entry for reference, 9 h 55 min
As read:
6 h 46 min
